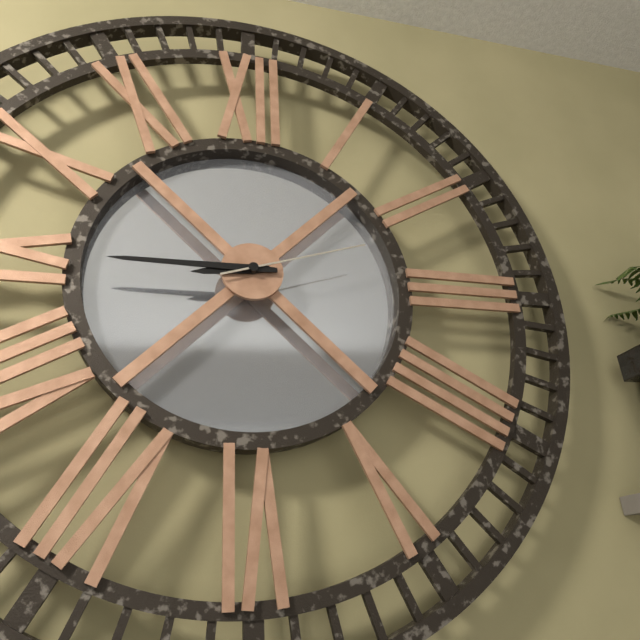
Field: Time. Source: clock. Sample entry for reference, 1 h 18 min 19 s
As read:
8 h 45 min 12 s
